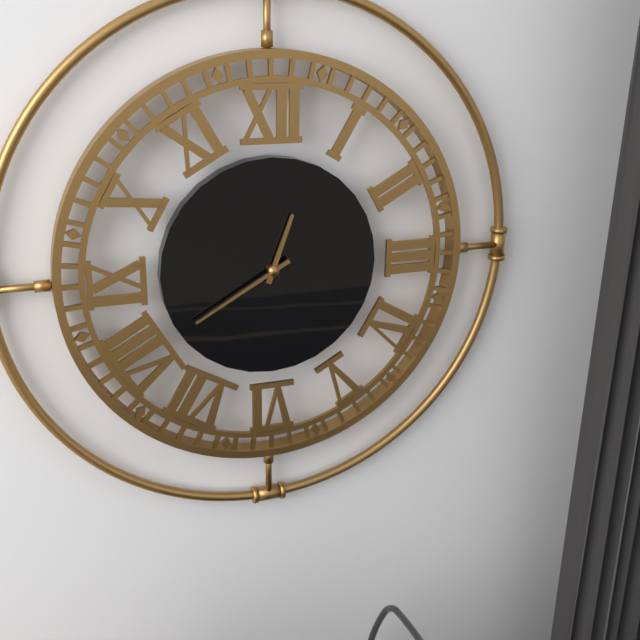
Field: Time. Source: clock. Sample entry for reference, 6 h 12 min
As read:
12 h 40 min
